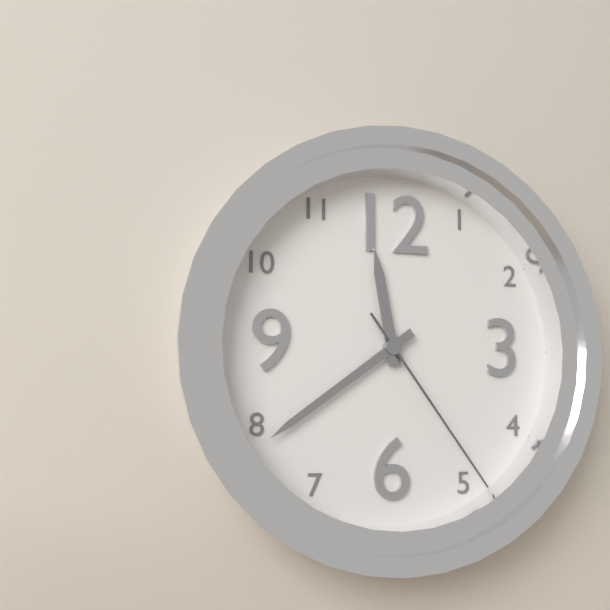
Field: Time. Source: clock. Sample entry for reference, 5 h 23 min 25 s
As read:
11 h 39 min 24 s
